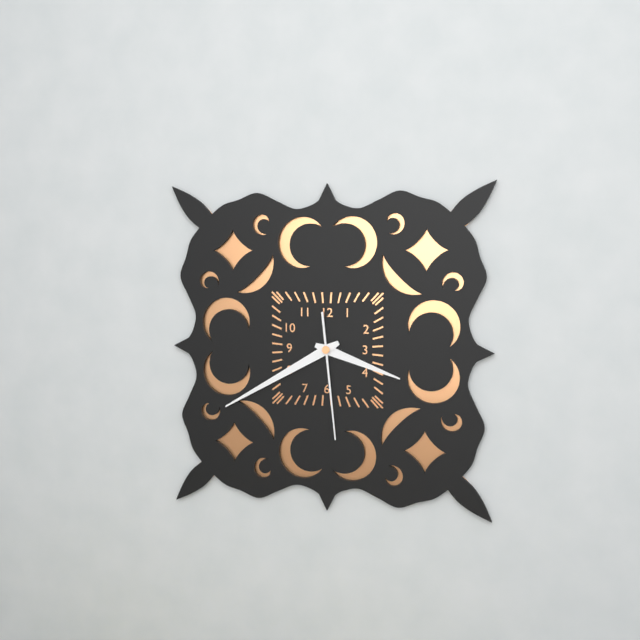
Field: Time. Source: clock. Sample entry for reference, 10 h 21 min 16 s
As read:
3 h 40 min 29 s
